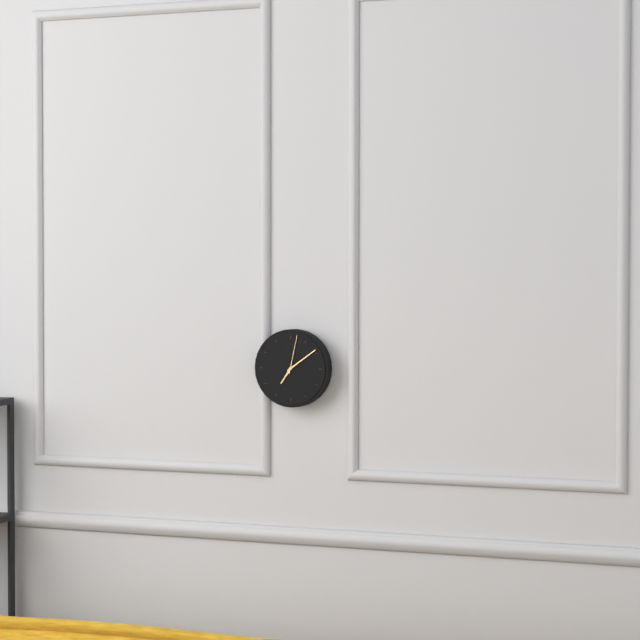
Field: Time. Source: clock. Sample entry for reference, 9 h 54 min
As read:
7 h 09 min
